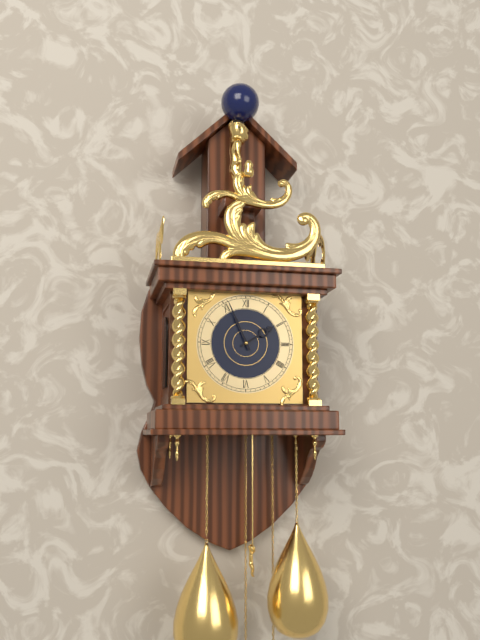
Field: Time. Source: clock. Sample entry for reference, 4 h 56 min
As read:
1 h 56 min
